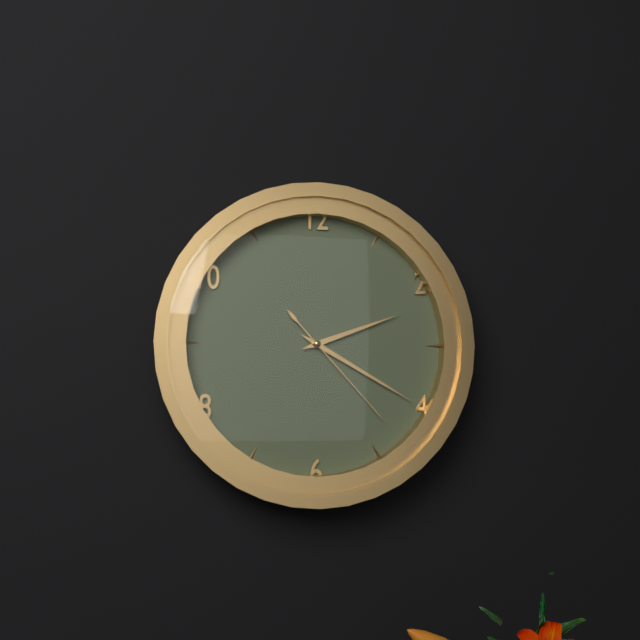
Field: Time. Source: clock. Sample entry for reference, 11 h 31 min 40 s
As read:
2 h 20 min 23 s
